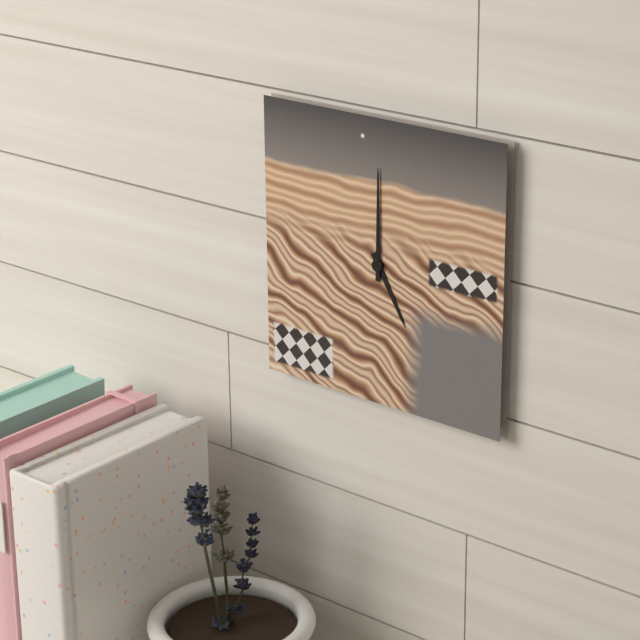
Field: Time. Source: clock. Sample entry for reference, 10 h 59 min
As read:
5 h 00 min
